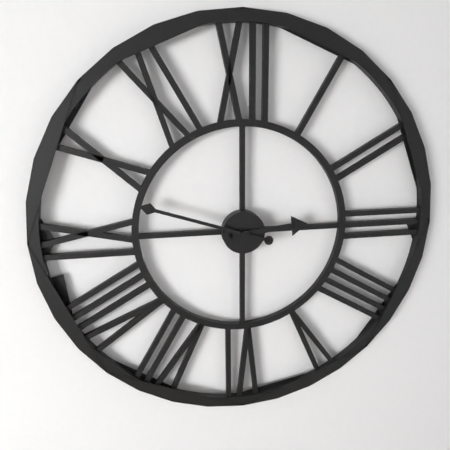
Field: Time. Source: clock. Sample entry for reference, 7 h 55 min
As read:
2 h 48 min
